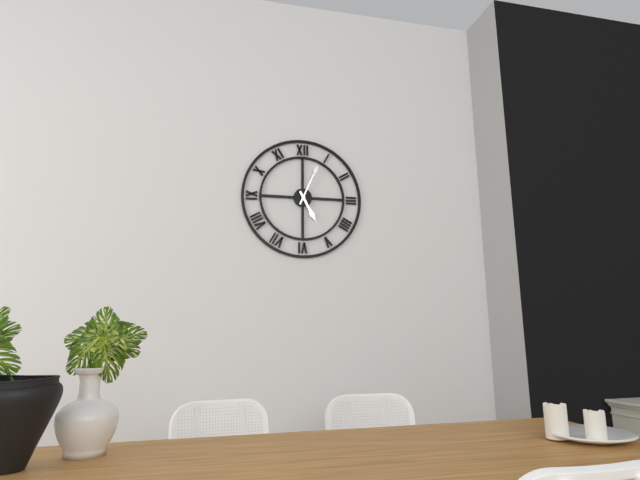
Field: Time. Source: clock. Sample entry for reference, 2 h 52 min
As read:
5 h 04 min
